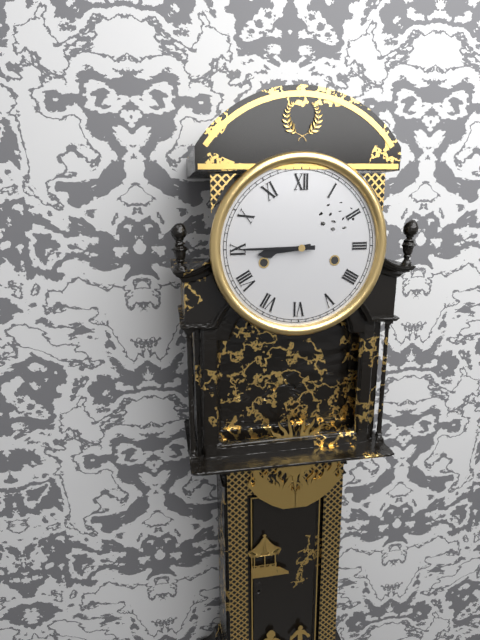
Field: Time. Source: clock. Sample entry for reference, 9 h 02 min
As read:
8 h 45 min
